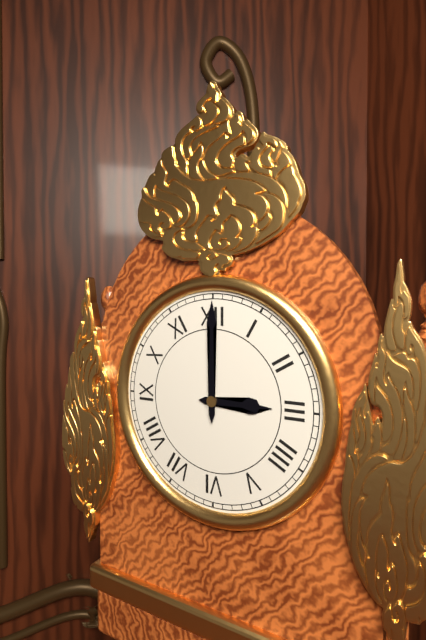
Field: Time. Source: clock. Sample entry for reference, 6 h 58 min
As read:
3 h 00 min
